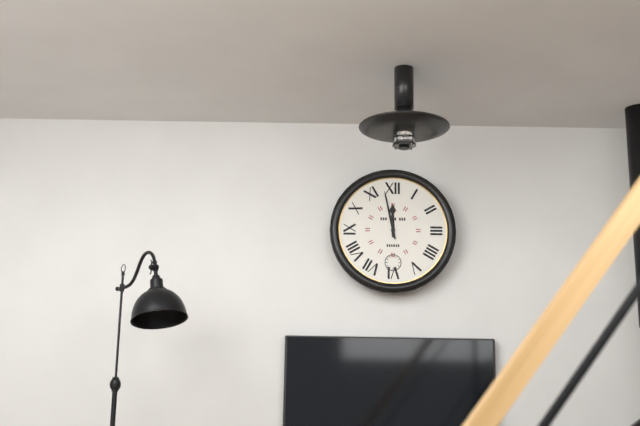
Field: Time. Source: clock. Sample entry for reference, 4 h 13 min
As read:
11 h 58 min
